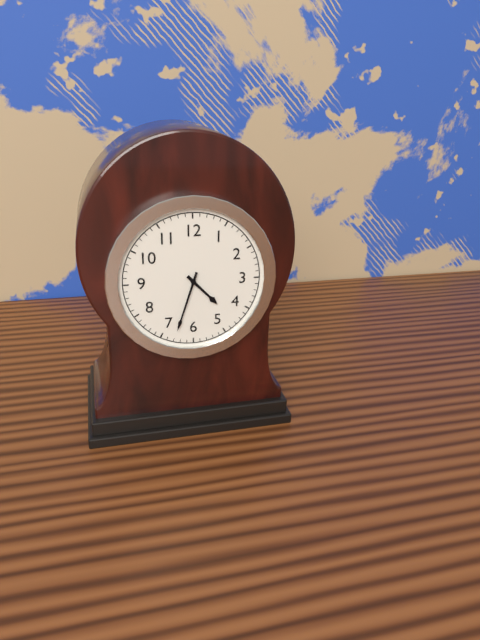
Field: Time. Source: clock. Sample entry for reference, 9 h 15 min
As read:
4 h 33 min
